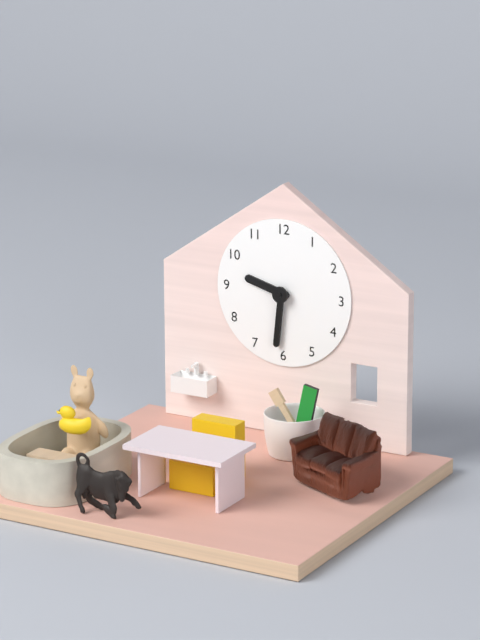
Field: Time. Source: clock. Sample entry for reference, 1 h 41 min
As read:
9 h 31 min
